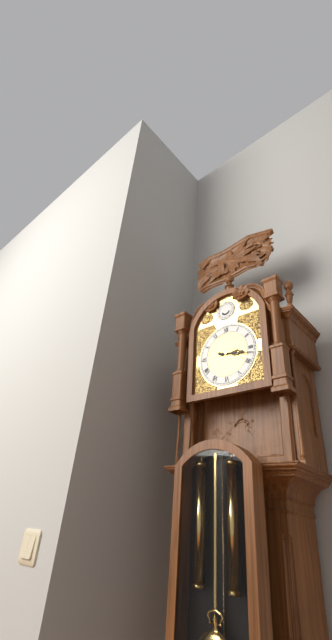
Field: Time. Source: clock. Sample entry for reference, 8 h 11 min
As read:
3 h 17 min
